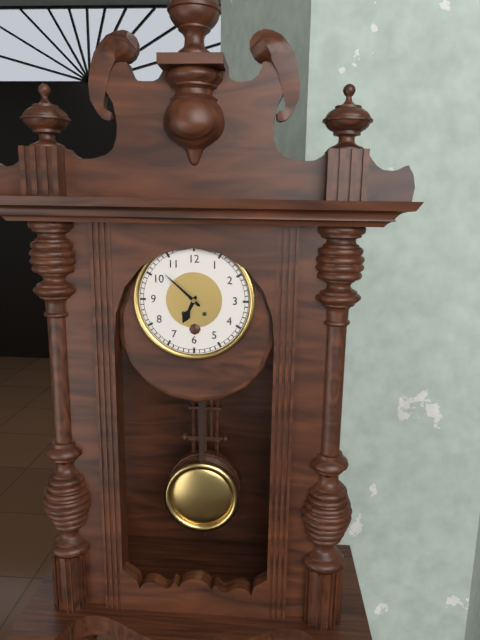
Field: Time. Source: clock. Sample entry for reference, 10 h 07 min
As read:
6 h 52 min
